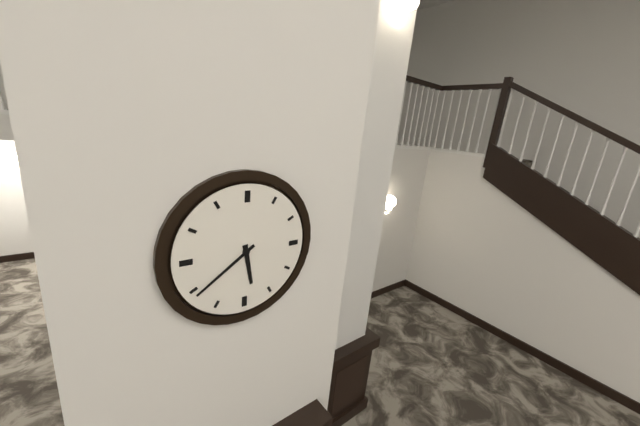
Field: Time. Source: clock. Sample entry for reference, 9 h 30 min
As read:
5 h 39 min
